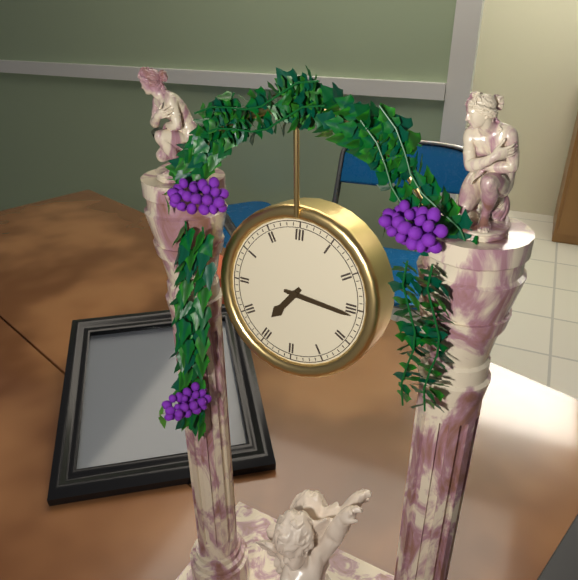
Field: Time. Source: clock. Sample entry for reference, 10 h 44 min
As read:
7 h 16 min
